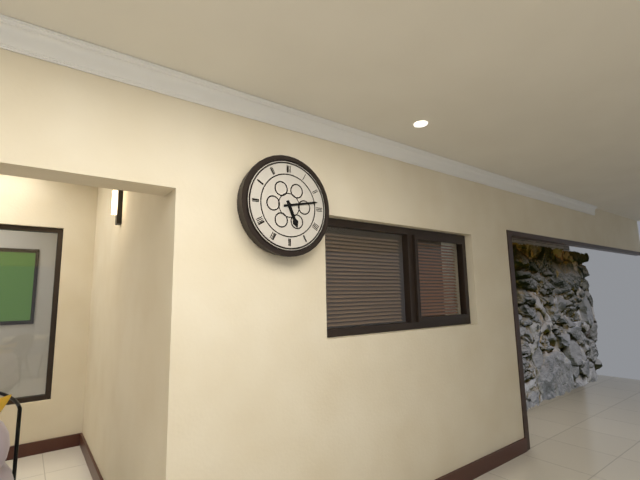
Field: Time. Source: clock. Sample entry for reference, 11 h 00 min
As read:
5 h 13 min
